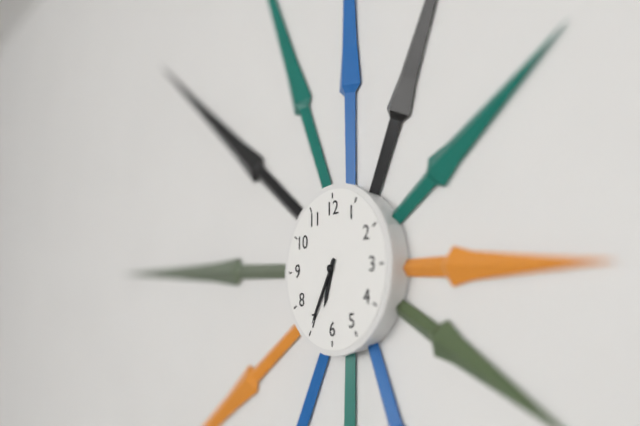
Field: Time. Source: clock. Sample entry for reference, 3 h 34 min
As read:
6 h 35 min
